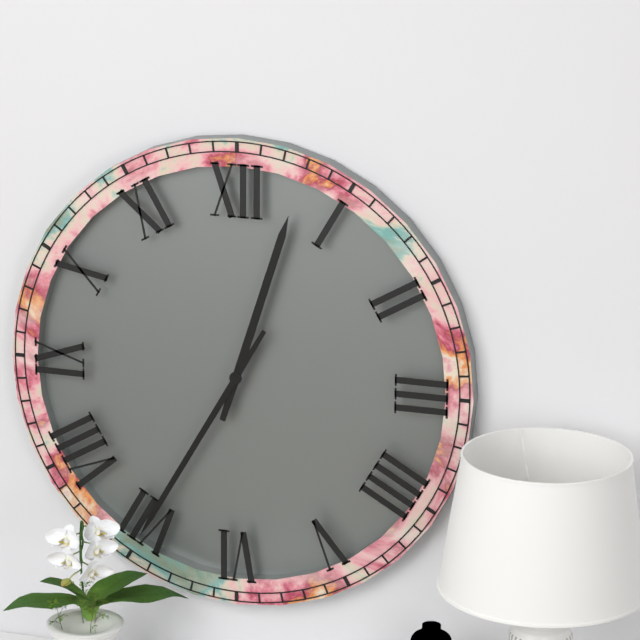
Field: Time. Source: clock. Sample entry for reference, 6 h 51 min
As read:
12 h 35 min
